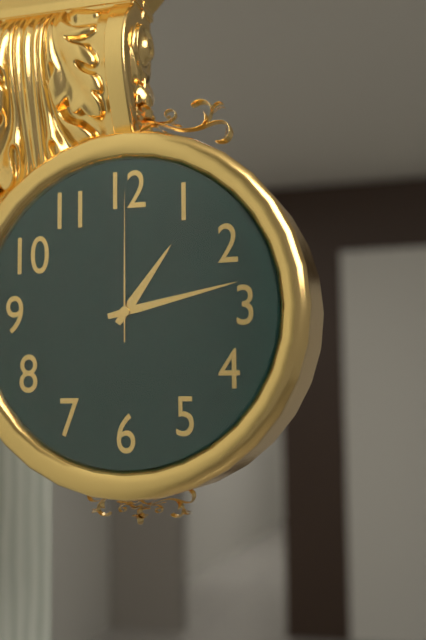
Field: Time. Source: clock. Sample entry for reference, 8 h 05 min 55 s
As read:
1 h 13 min 00 s
